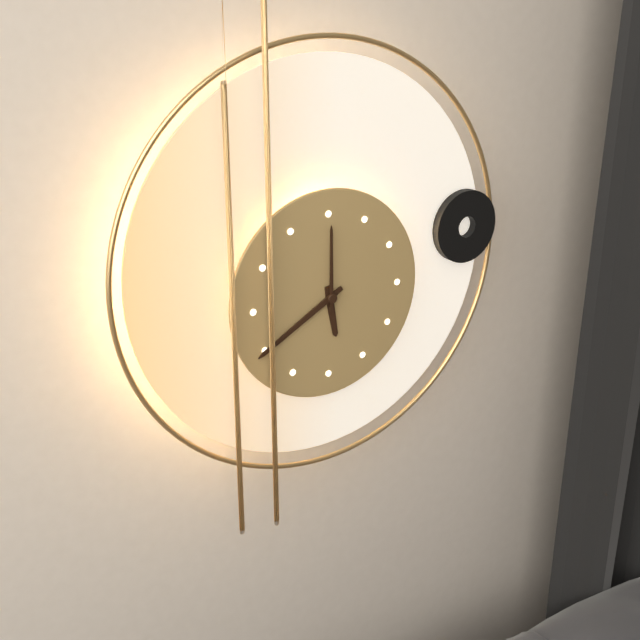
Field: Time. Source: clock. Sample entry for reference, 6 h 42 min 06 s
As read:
5 h 40 min 00 s
